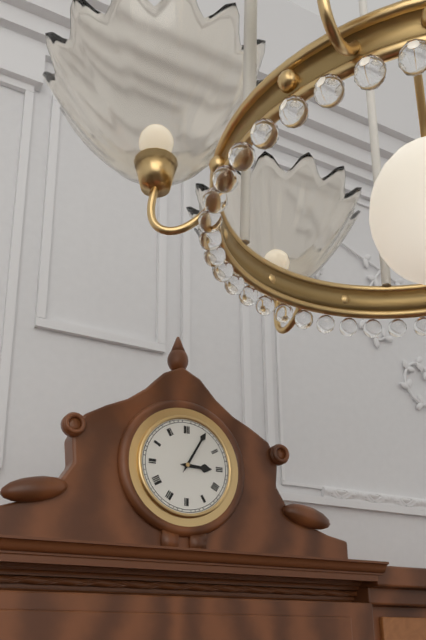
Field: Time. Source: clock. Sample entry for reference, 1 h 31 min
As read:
3 h 05 min
